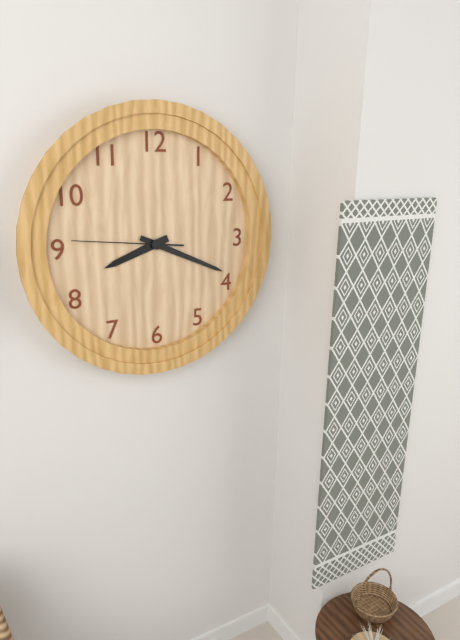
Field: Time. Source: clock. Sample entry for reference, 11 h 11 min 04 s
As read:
8 h 19 min 46 s
